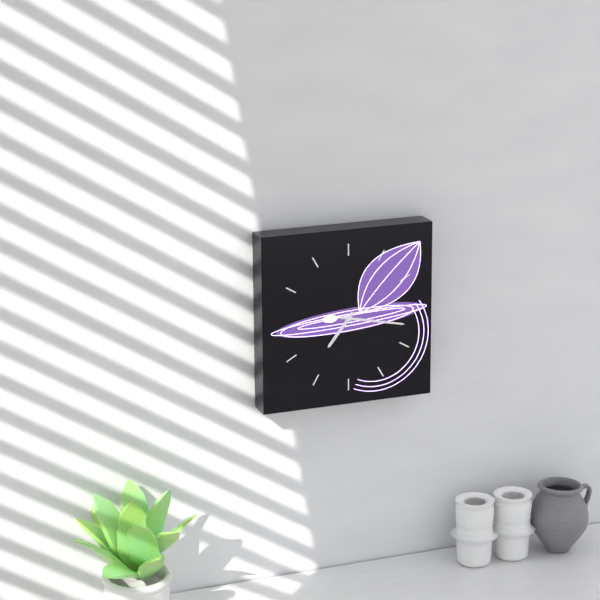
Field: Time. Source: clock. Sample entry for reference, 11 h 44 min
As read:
7 h 17 min
